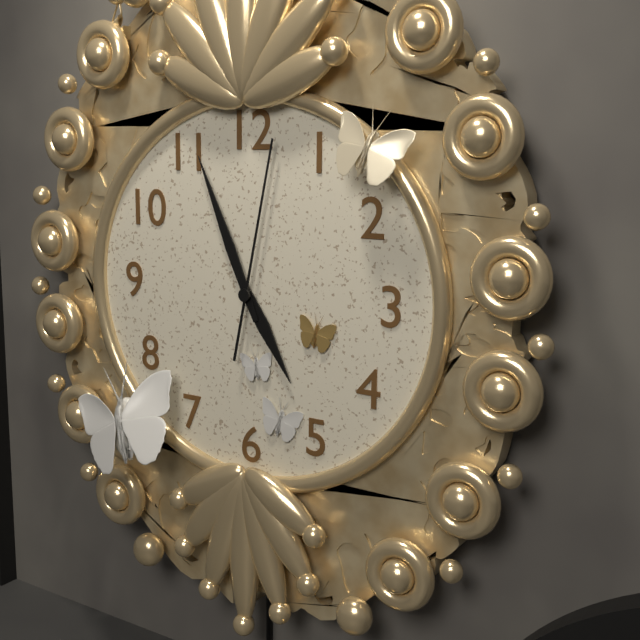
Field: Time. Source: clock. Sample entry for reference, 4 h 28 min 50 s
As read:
4 h 56 min 02 s
